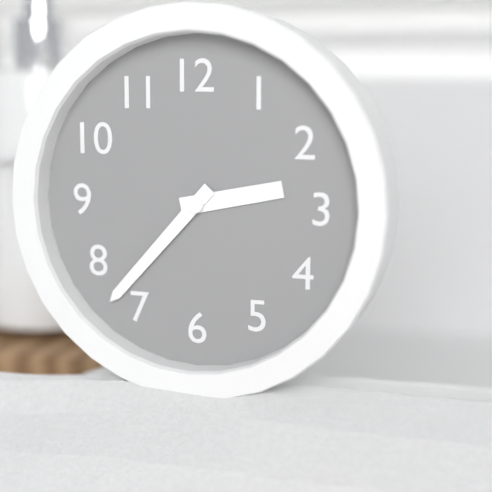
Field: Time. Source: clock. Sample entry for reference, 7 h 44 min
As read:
2 h 37 min
